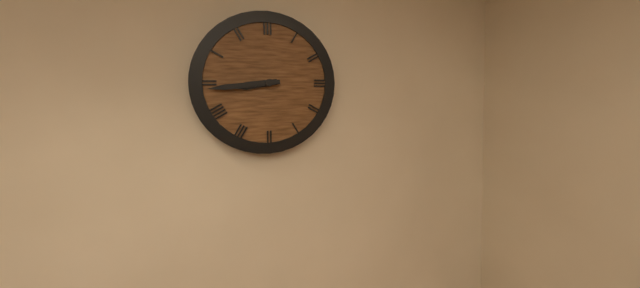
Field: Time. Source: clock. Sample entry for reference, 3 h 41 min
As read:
8 h 44 min
